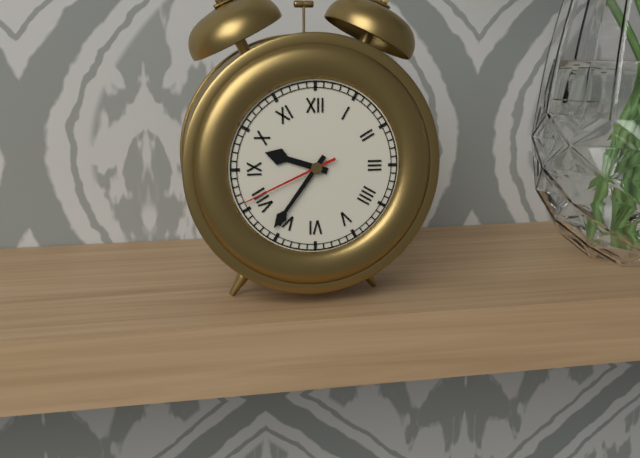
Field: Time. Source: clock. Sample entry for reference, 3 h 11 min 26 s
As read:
9 h 36 min 41 s
